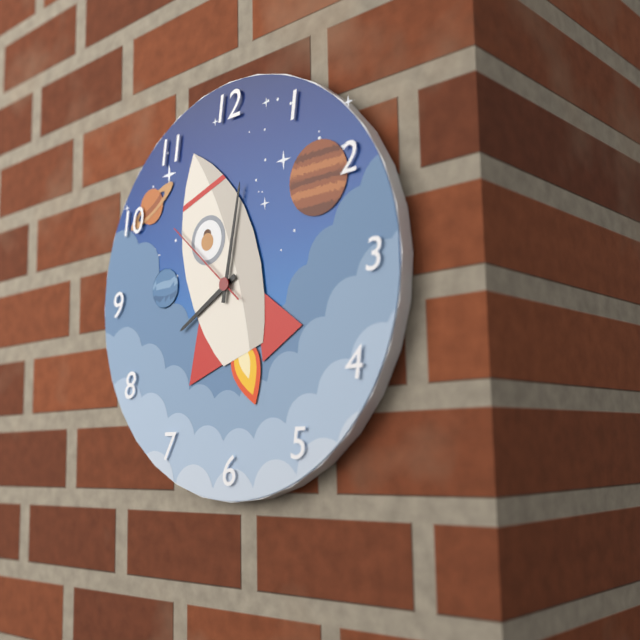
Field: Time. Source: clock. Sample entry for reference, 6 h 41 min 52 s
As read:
8 h 02 min 52 s
